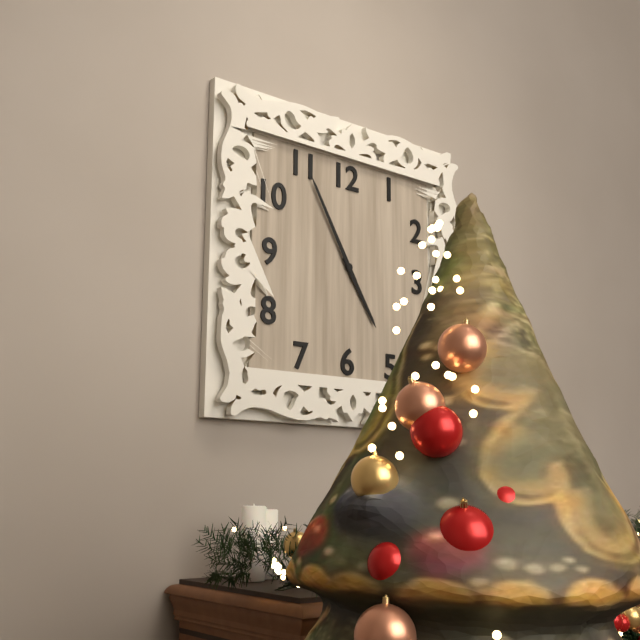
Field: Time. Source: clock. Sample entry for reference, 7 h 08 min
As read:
4 h 55 min
